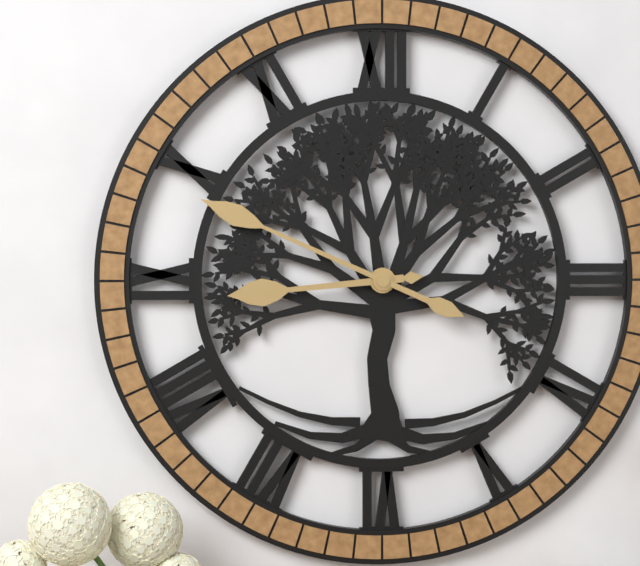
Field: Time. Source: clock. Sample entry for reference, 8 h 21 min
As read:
8 h 49 min
